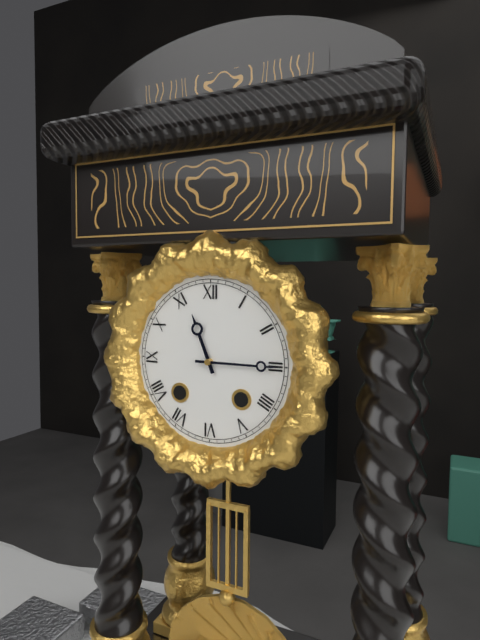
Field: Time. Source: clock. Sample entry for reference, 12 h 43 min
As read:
11 h 15 min
